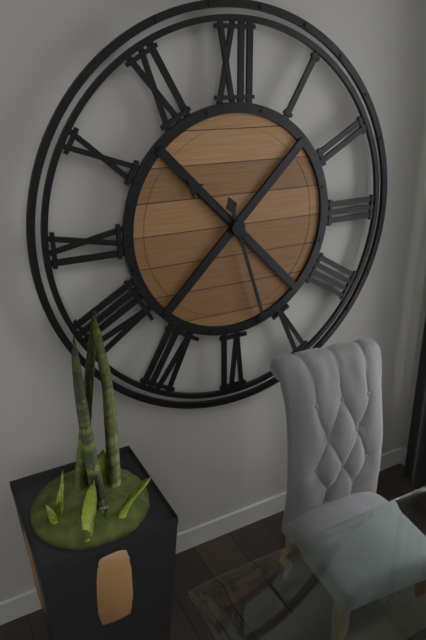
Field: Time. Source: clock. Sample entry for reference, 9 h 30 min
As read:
10 h 27 min
